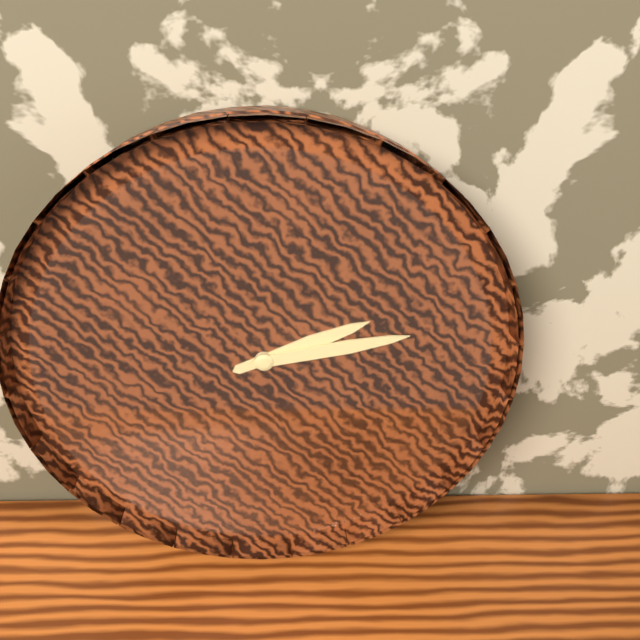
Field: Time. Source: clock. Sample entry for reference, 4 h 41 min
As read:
2 h 13 min
